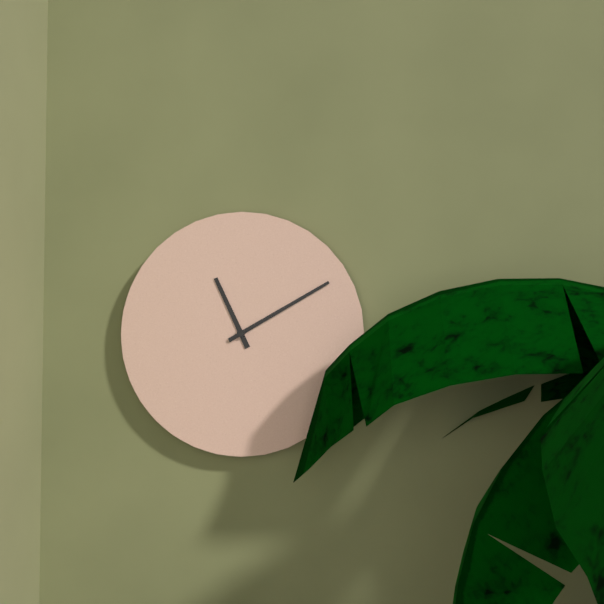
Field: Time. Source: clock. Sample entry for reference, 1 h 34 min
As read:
11 h 10 min
